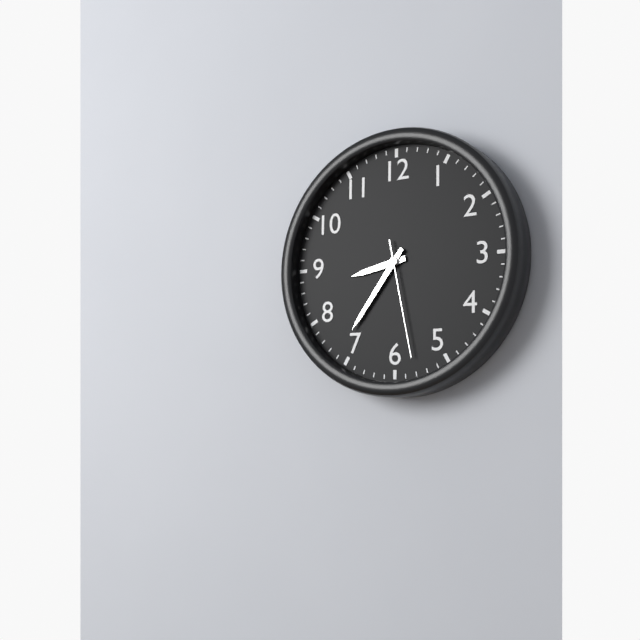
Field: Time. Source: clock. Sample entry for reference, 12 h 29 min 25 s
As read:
8 h 36 min 28 s
